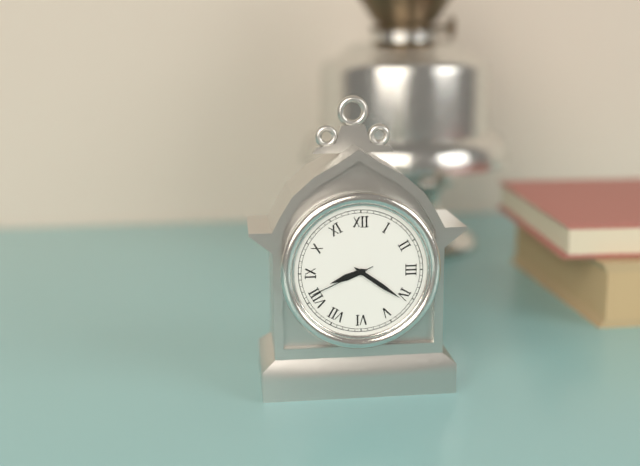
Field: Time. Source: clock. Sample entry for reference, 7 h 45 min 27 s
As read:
8 h 21 min 41 s
